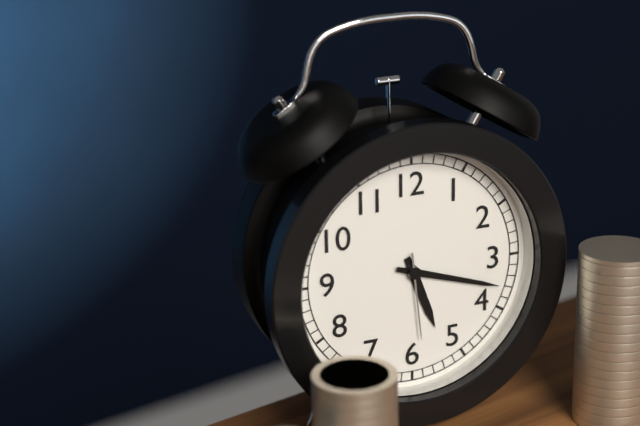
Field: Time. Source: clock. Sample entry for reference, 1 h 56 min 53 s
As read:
5 h 18 min 29 s
